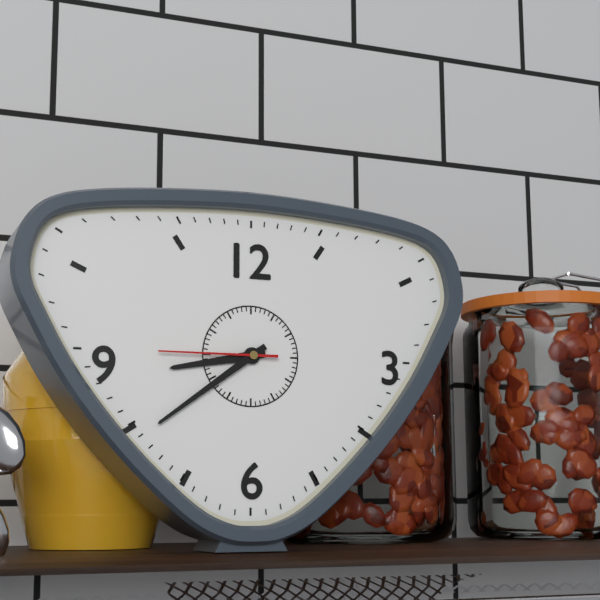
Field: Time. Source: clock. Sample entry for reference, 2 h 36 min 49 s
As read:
8 h 39 min 45 s
